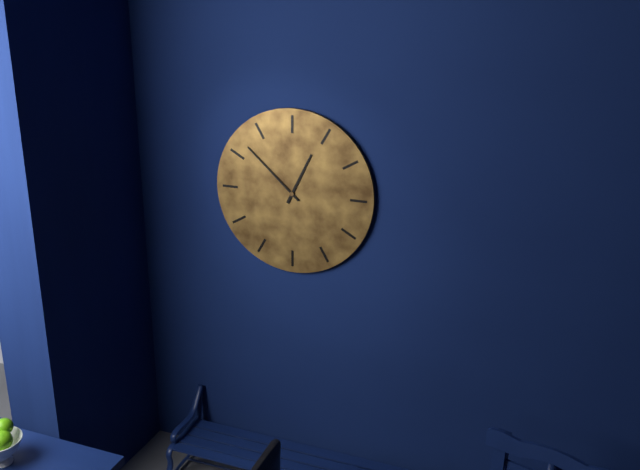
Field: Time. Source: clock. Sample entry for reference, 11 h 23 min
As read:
12 h 52 min
